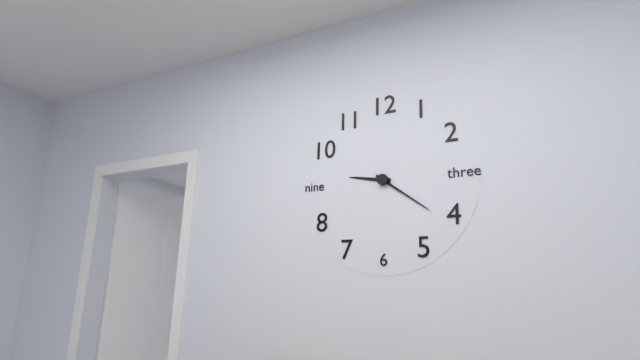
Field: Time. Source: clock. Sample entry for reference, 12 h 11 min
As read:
9 h 21 min
